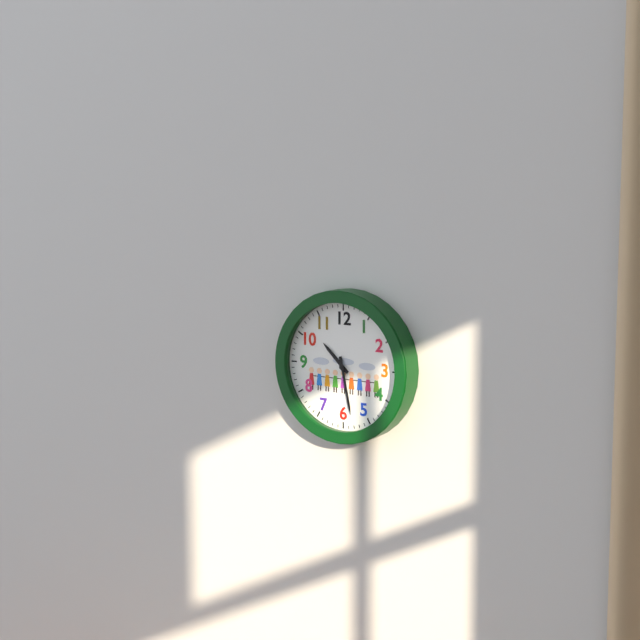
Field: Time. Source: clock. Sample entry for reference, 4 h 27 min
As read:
10 h 28 min
